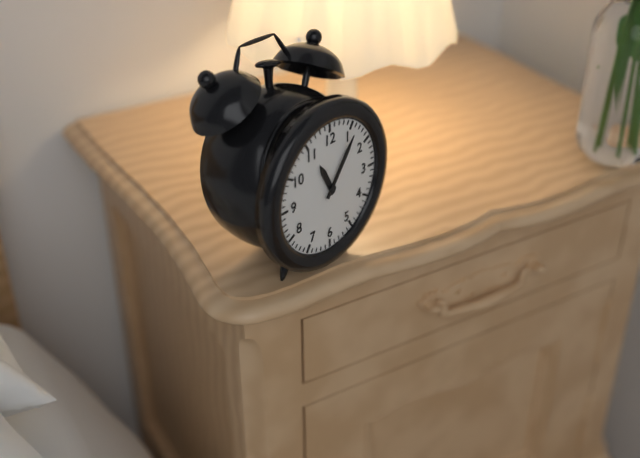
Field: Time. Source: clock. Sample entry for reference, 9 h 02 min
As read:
11 h 06 min
